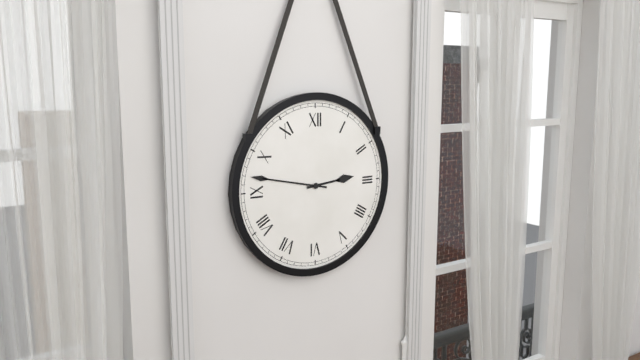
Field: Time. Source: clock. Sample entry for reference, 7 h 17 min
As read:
2 h 47 min
